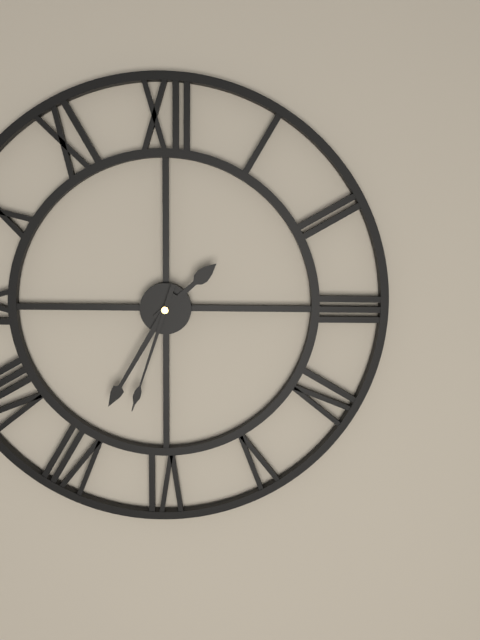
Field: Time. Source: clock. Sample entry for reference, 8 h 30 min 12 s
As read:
1 h 35 min 33 s
